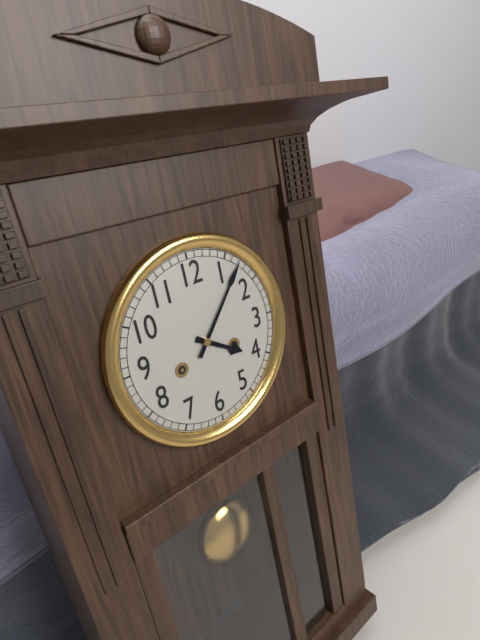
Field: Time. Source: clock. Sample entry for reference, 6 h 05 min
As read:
4 h 07 min
